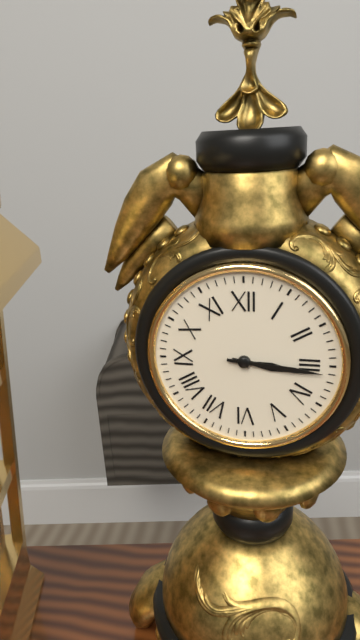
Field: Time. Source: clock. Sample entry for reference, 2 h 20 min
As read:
3 h 16 min
